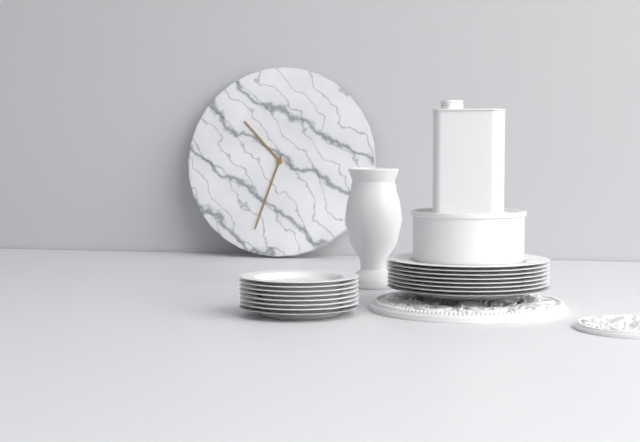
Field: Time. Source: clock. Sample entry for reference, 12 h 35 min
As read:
10 h 33 min
